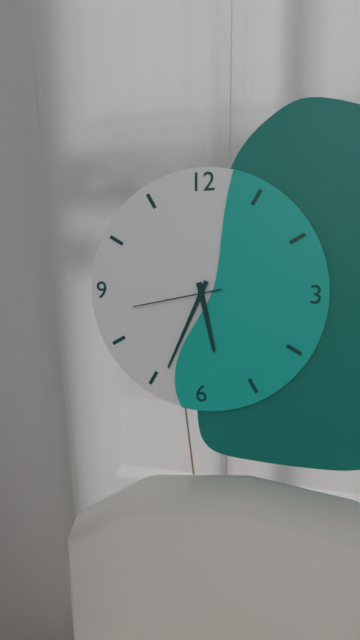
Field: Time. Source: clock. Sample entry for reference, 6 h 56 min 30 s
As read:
5 h 34 min 43 s
